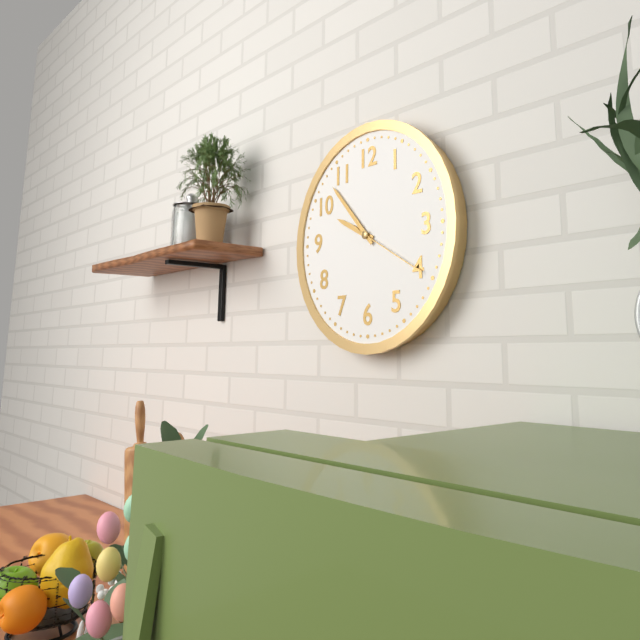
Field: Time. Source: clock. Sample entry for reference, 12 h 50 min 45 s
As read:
9 h 53 min 20 s
